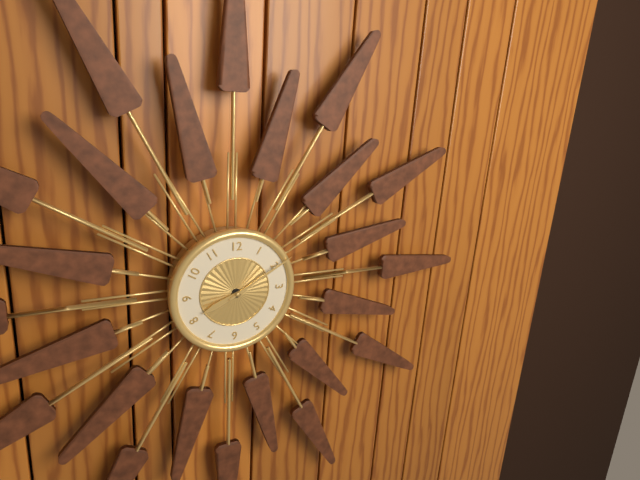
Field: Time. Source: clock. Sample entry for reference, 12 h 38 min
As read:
8 h 10 min
